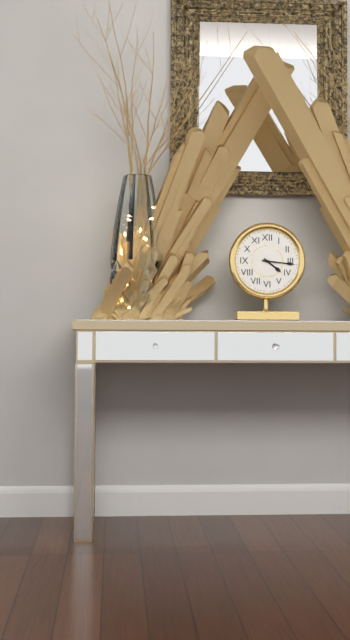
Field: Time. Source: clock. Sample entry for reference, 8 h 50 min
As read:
4 h 16 min
